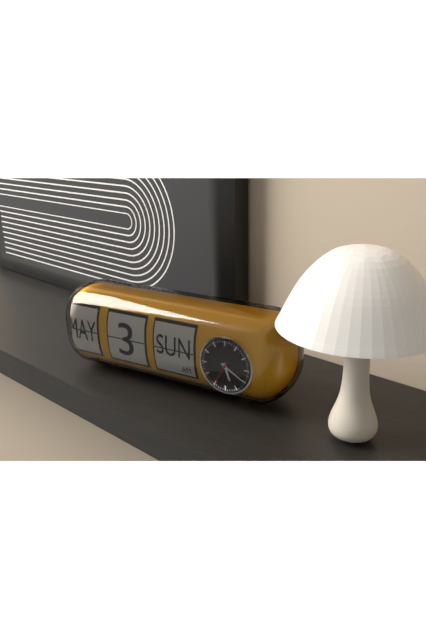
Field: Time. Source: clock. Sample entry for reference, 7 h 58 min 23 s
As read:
5 h 20 min 35 s
